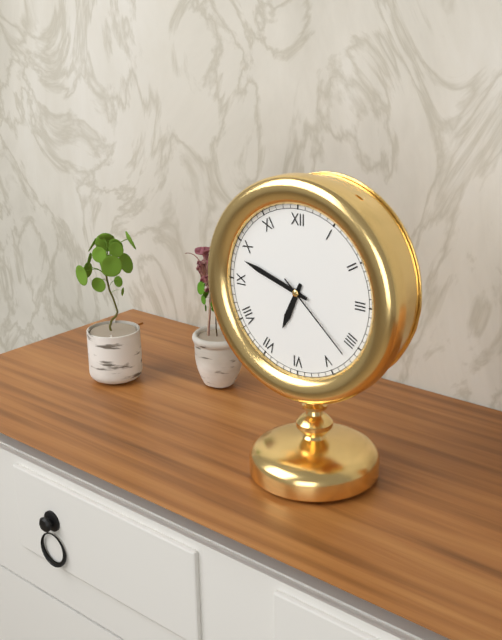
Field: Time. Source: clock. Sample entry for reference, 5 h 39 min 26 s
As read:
6 h 48 min 22 s
